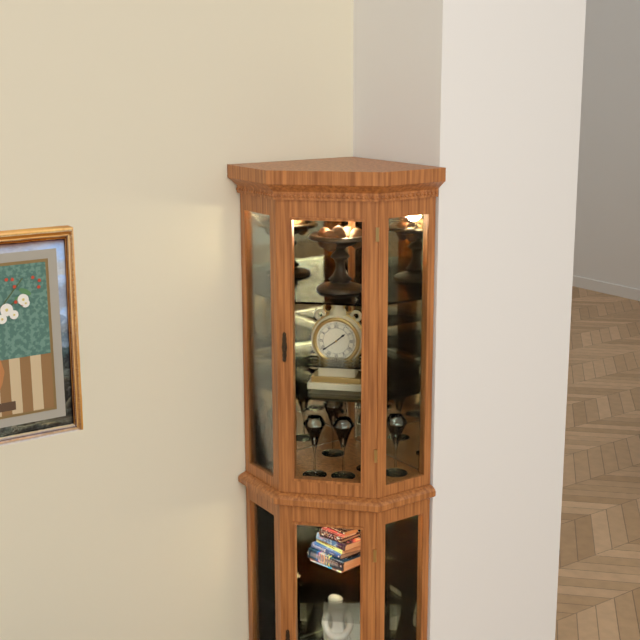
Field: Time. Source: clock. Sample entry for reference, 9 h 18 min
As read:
1 h 39 min
